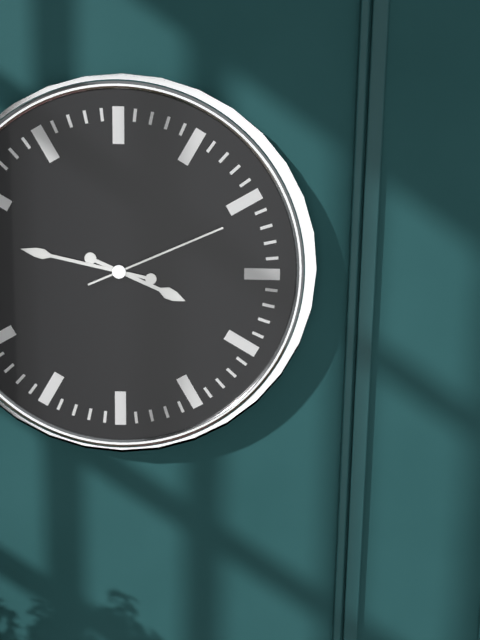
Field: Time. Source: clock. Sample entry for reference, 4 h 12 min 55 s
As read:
3 h 47 min 11 s
